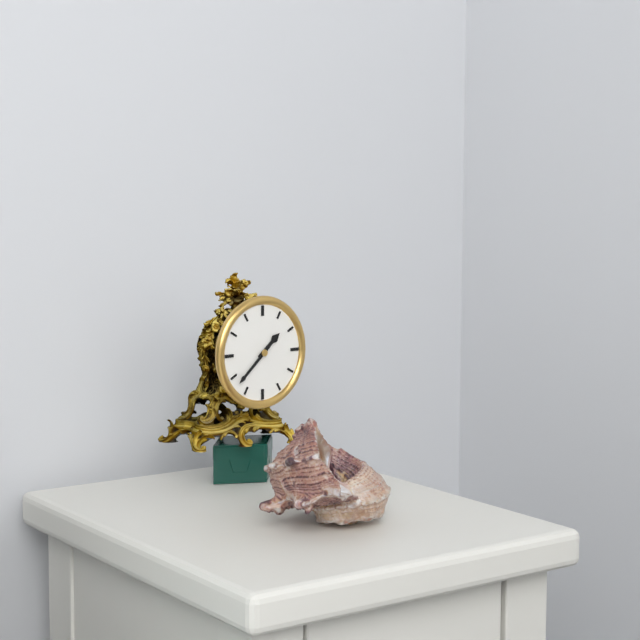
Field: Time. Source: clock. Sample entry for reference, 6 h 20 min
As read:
1 h 38 min
